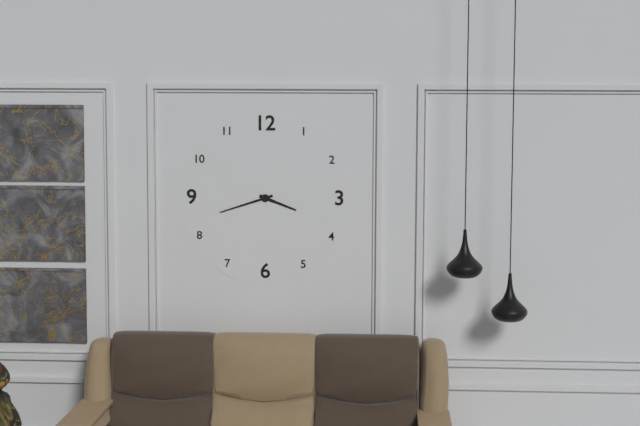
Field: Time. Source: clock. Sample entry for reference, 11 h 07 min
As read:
3 h 42 min
